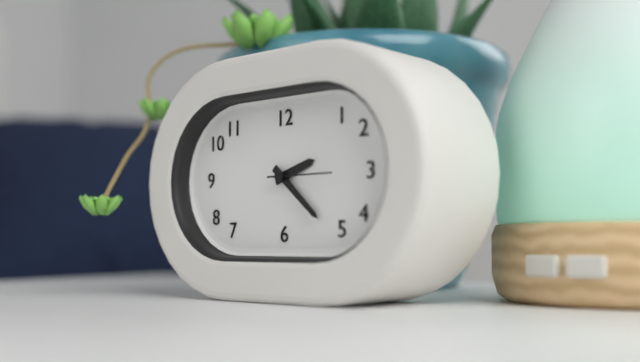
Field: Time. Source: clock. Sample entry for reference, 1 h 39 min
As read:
2 h 22 min
